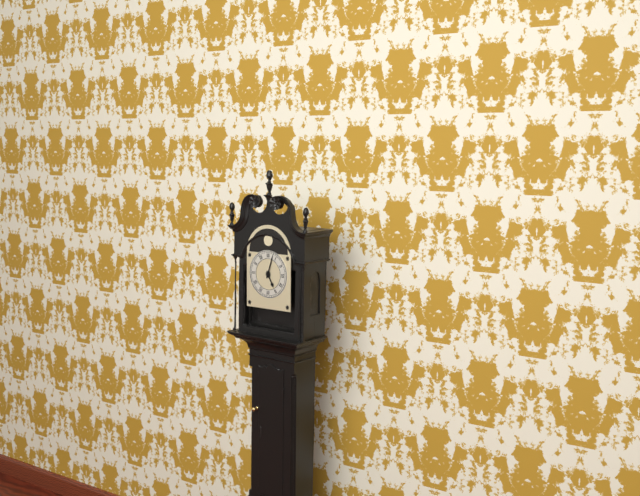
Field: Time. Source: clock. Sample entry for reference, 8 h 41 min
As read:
5 h 03 min
